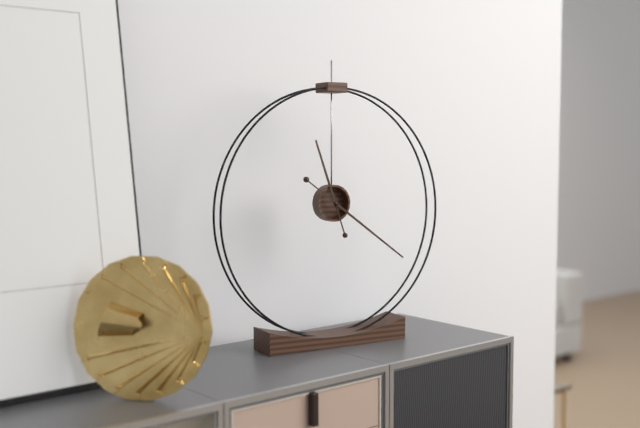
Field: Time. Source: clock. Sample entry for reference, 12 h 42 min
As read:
11 h 21 min
